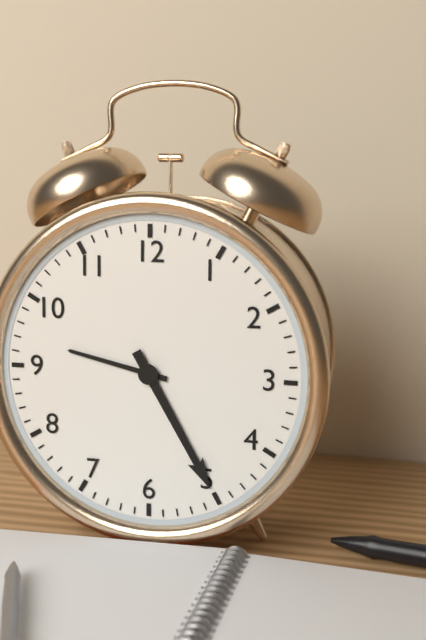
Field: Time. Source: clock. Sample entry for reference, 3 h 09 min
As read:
9 h 25 min
